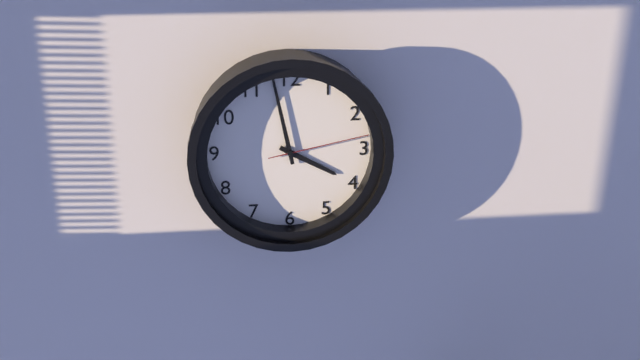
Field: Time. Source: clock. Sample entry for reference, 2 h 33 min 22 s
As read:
3 h 58 min 13 s
